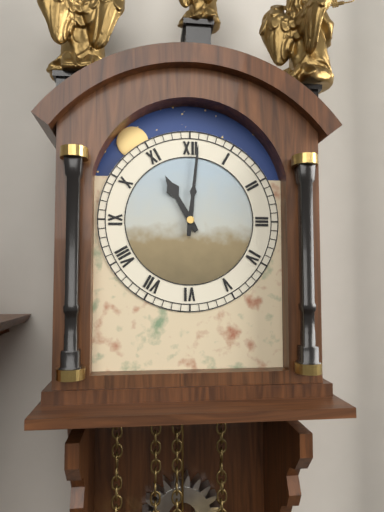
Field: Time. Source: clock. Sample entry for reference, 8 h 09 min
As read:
11 h 01 min
